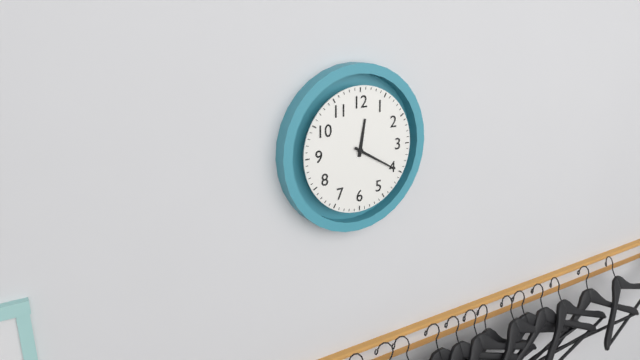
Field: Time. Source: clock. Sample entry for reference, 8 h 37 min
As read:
12 h 20 min
